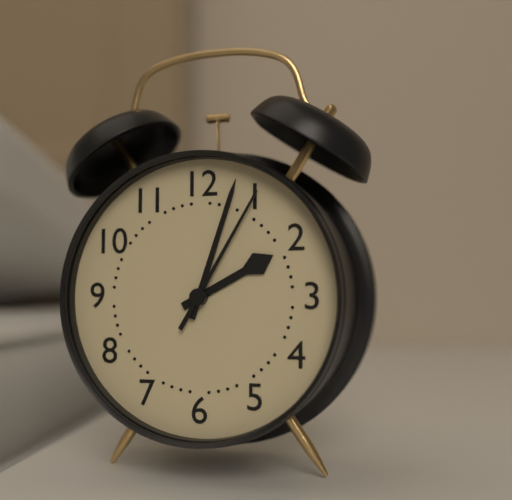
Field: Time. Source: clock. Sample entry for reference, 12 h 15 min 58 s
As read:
2 h 03 min 05 s
